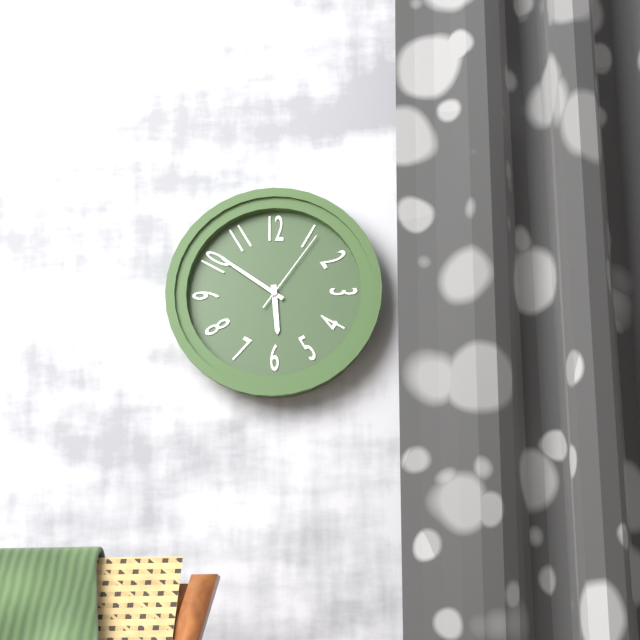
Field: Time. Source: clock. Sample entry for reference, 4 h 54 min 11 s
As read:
5 h 51 min 06 s
